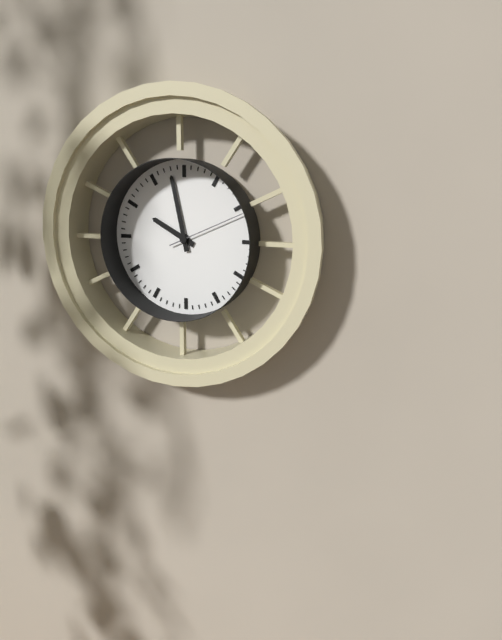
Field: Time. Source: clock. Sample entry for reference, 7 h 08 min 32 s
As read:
9 h 58 min 11 s
